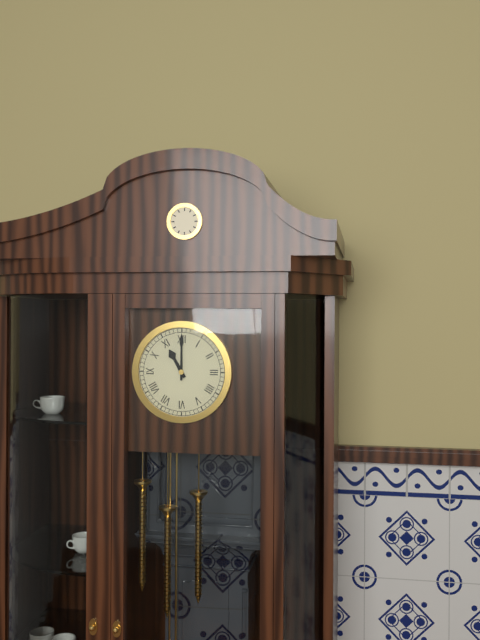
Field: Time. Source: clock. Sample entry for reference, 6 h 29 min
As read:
11 h 00 min
